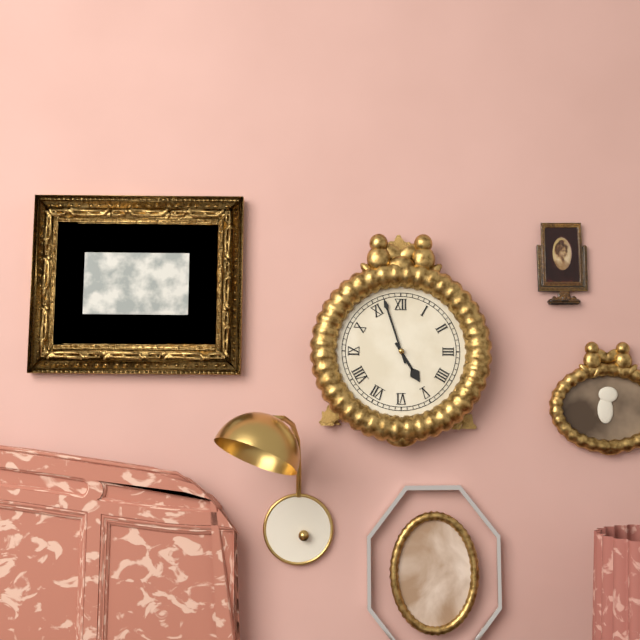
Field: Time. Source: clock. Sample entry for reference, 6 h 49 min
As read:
4 h 57 min
